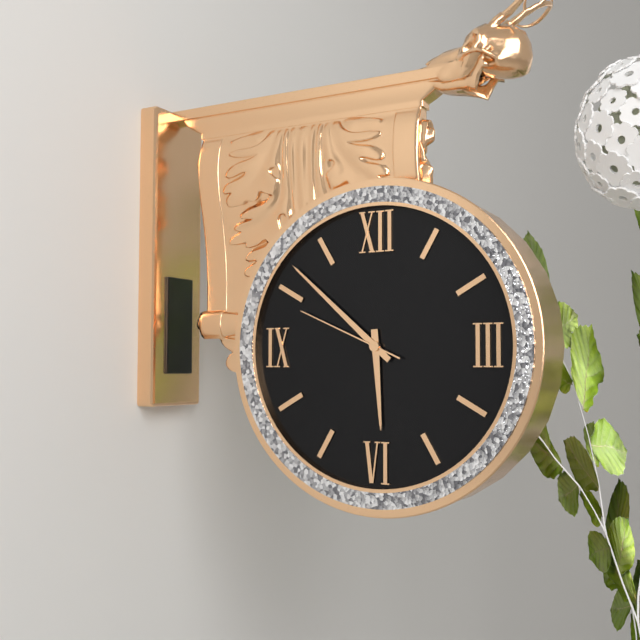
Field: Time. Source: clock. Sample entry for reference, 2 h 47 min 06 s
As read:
5 h 52 min 49 s
